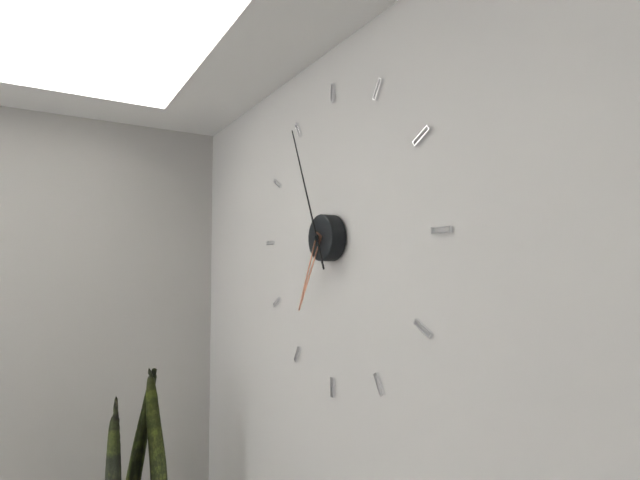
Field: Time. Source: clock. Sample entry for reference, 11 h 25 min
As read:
6 h 56 min
